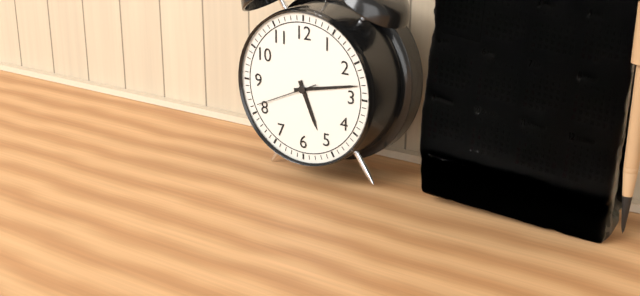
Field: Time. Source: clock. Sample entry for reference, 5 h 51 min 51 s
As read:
5 h 13 min 41 s
